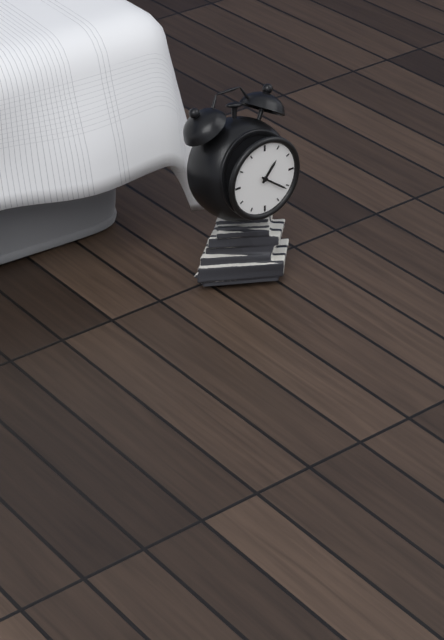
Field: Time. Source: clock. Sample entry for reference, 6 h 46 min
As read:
1 h 21 min
